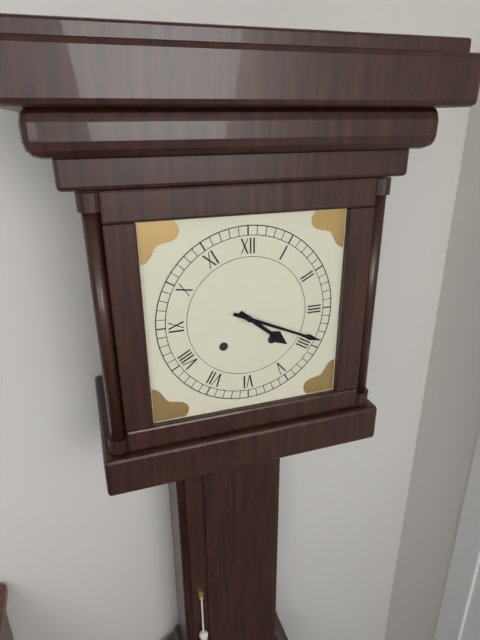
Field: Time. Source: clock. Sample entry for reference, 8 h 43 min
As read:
4 h 19 min
